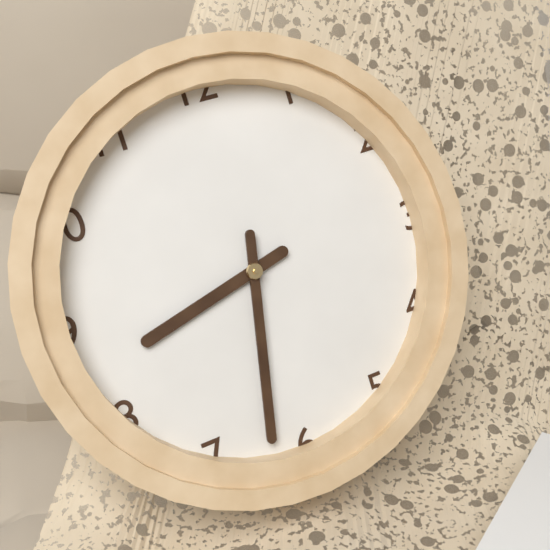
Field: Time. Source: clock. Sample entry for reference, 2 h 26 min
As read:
8 h 32 min
